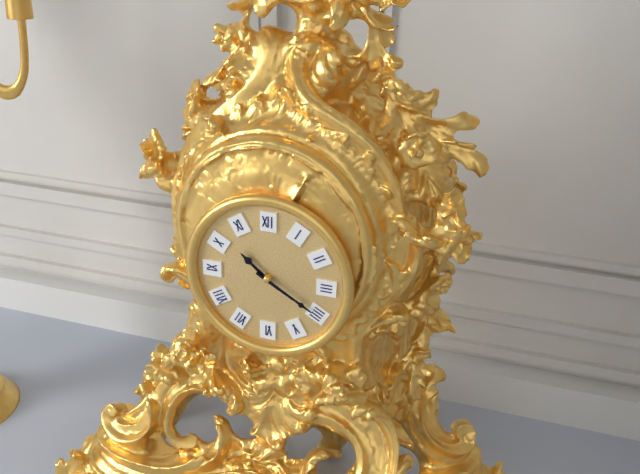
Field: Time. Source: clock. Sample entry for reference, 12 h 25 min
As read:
10 h 20 min
